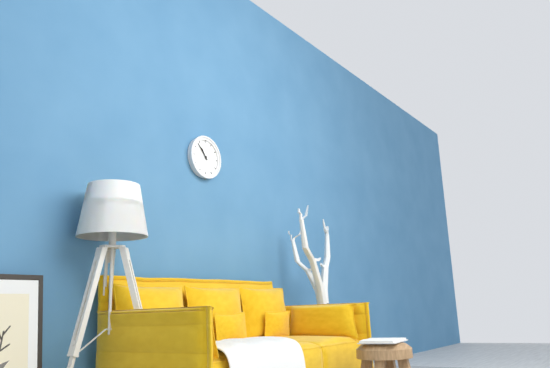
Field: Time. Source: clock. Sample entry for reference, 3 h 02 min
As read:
10 h 53 min
